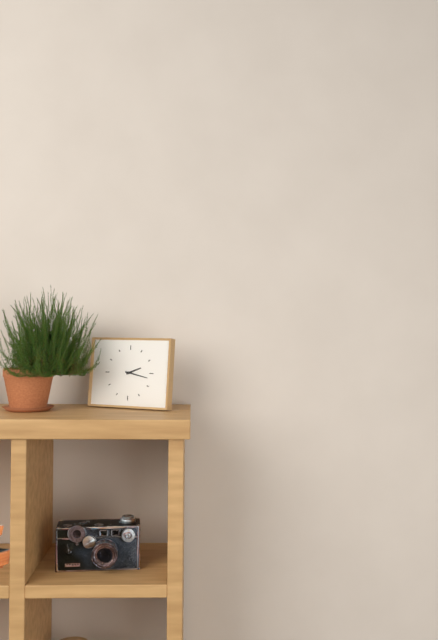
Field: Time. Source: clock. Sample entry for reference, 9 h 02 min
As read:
2 h 17 min
